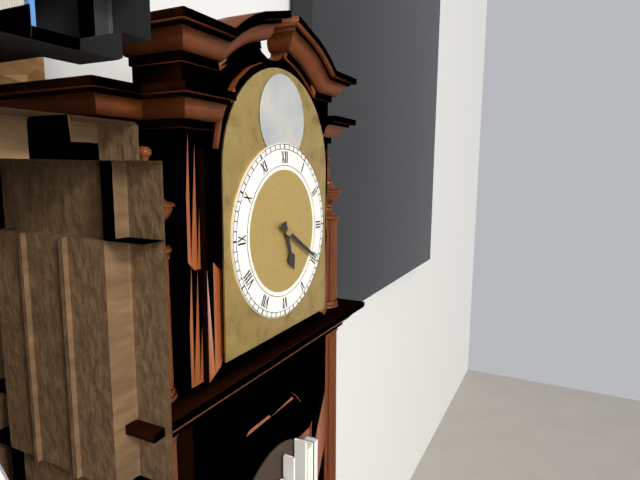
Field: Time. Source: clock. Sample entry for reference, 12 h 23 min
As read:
5 h 20 min
